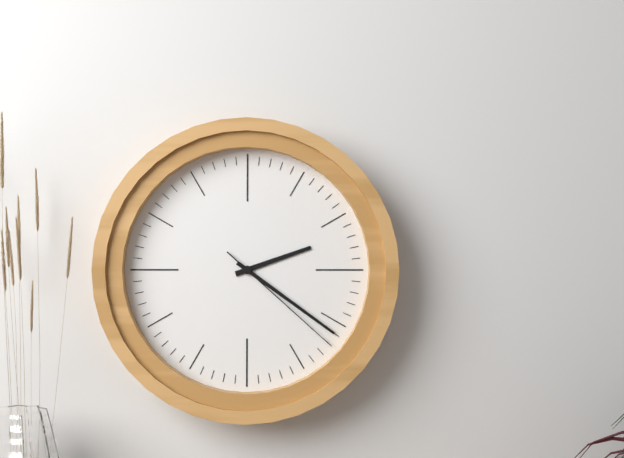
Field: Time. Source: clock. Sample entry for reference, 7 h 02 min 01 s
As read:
2 h 21 min 22 s
